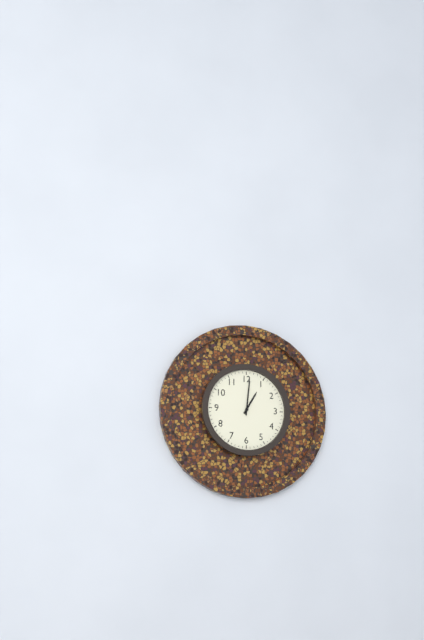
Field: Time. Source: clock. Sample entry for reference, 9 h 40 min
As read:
1 h 01 min
